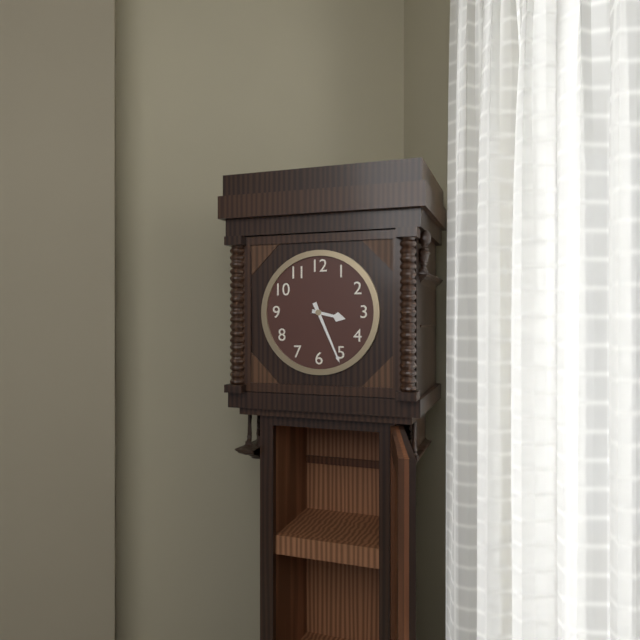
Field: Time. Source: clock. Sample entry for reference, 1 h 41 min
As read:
3 h 26 min
